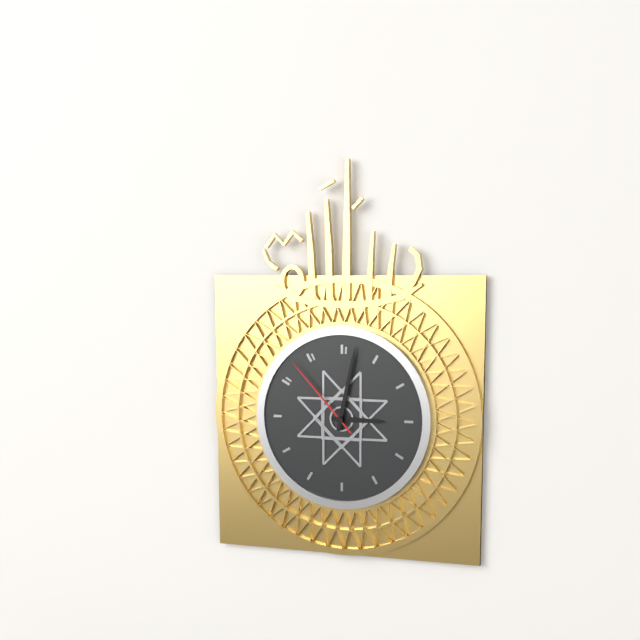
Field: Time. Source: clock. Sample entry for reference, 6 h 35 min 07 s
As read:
3 h 02 min 53 s
